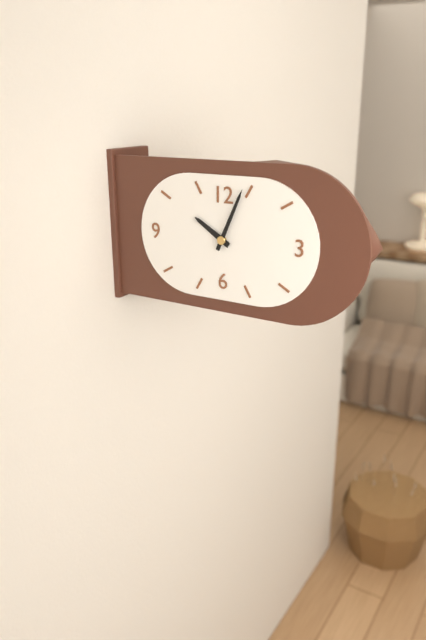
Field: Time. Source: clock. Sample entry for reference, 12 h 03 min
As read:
10 h 04 min
